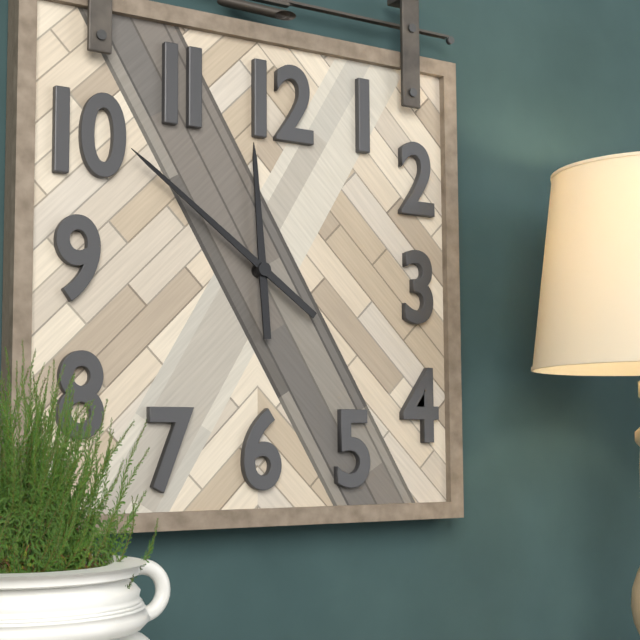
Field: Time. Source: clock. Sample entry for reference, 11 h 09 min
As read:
11 h 51 min
